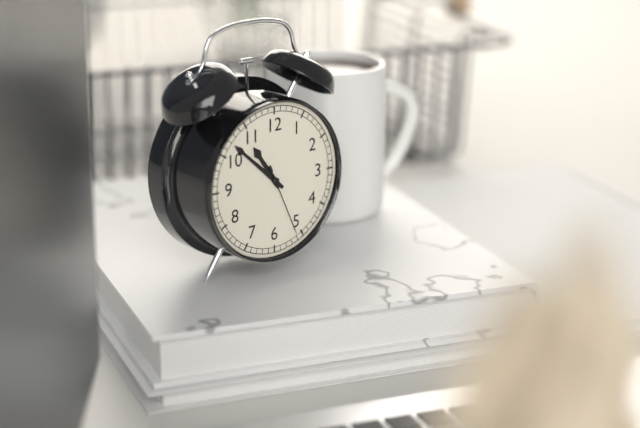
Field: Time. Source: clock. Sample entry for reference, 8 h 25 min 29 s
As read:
10 h 52 min 26 s
